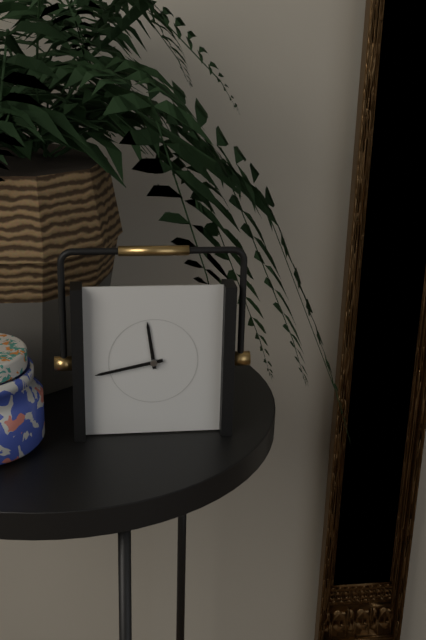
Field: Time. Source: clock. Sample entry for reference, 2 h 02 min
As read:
11 h 43 min
